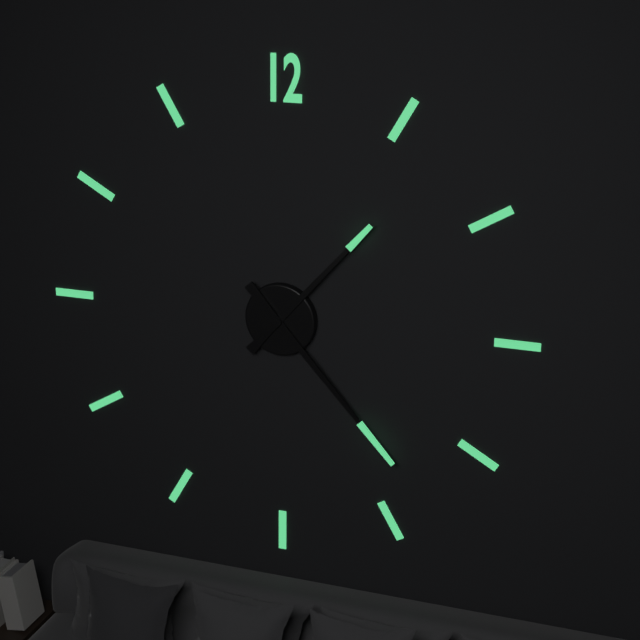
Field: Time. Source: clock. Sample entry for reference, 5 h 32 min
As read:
1 h 23 min
